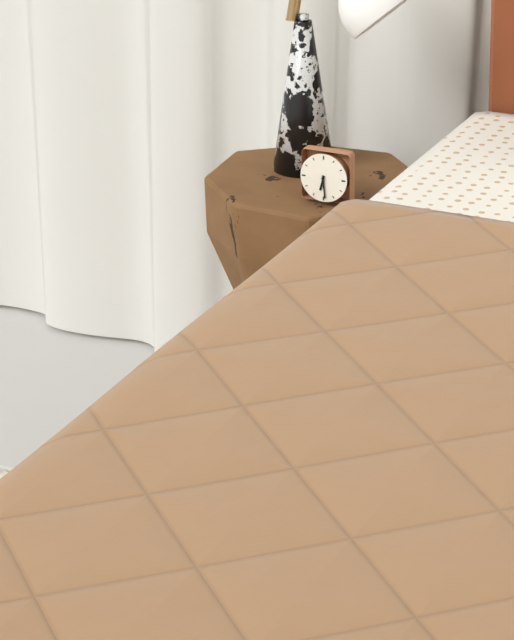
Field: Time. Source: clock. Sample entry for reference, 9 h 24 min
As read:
6 h 29 min
